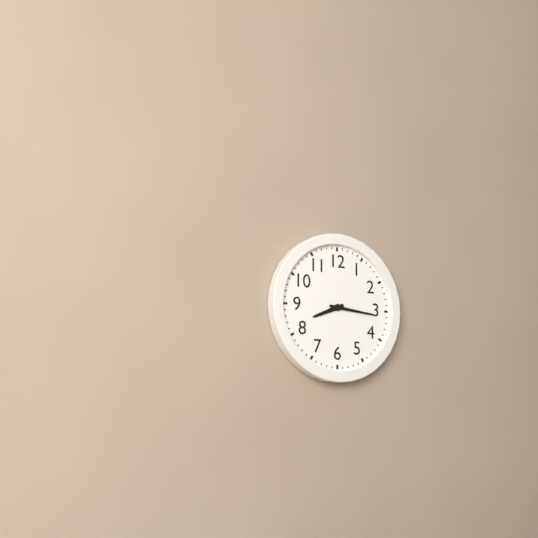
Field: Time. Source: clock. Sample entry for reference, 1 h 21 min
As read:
8 h 16 min
